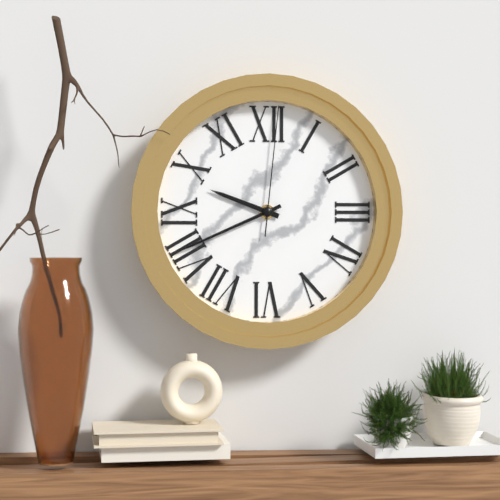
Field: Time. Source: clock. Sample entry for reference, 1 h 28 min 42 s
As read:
9 h 41 min 01 s
